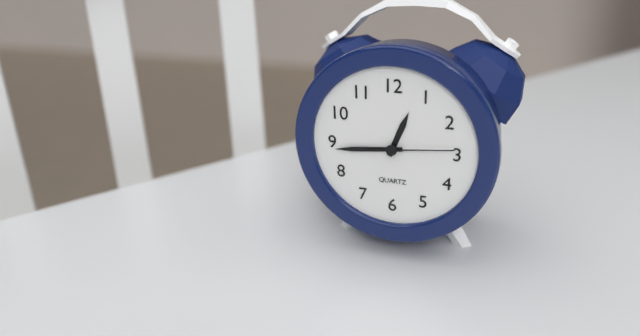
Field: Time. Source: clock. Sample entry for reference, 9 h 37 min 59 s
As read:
12 h 44 min 14 s
